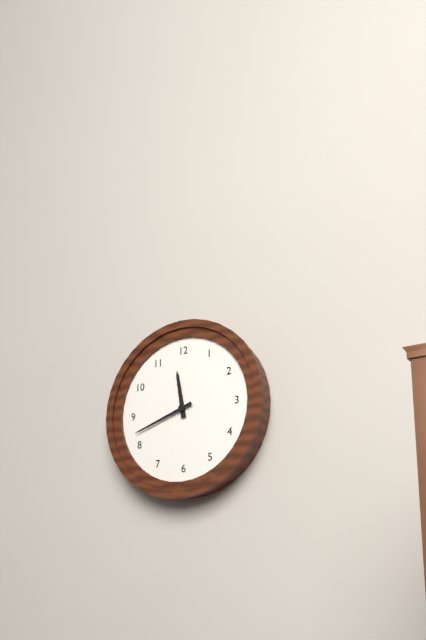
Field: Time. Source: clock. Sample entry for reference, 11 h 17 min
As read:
11 h 42 min
